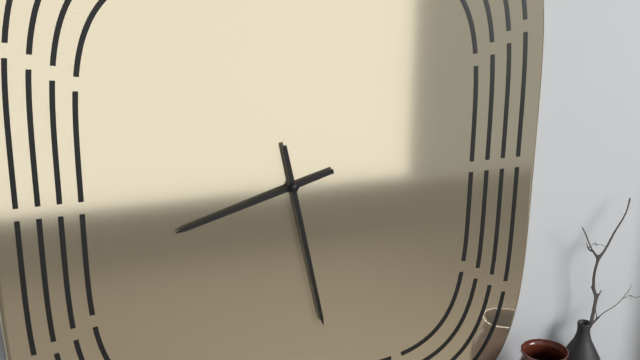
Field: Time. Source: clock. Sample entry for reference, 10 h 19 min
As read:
8 h 28 min
